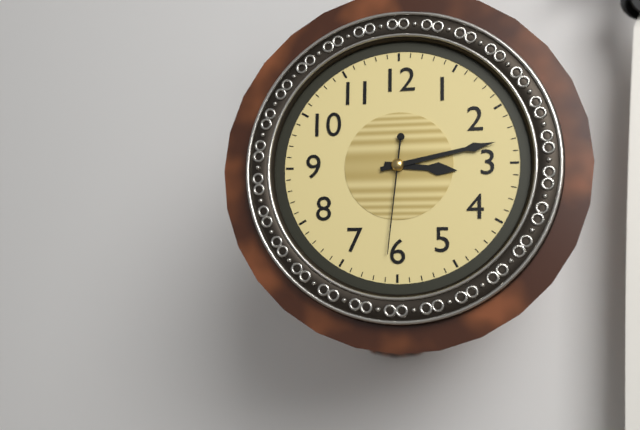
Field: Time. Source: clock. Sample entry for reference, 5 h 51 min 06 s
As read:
3 h 13 min 31 s
